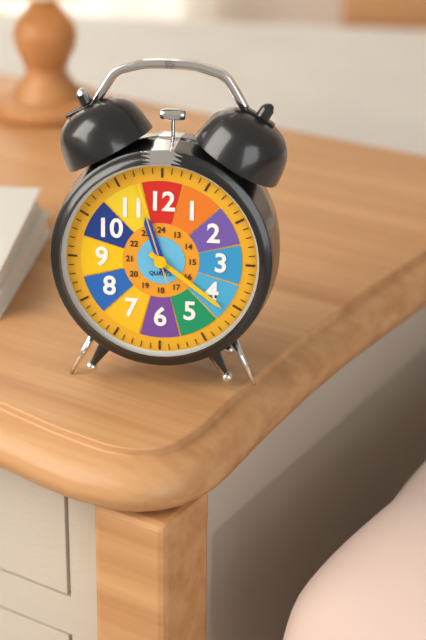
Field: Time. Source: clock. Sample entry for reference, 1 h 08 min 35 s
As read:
11 h 21 min 57 s
